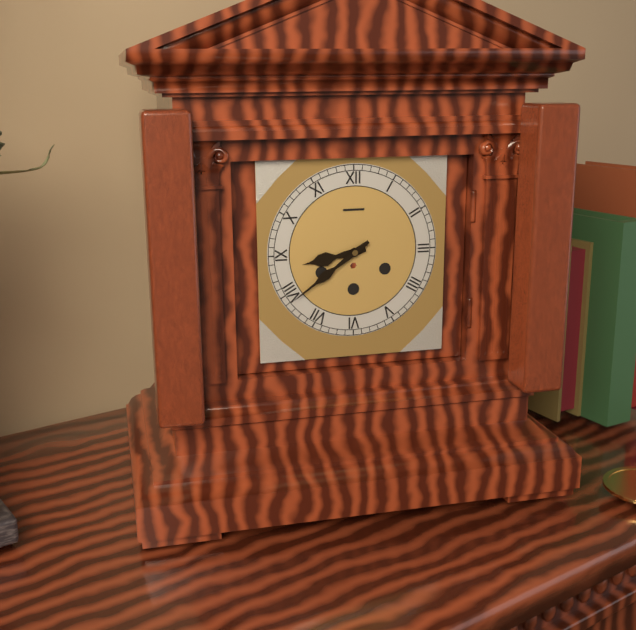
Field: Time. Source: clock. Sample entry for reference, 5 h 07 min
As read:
8 h 39 min
